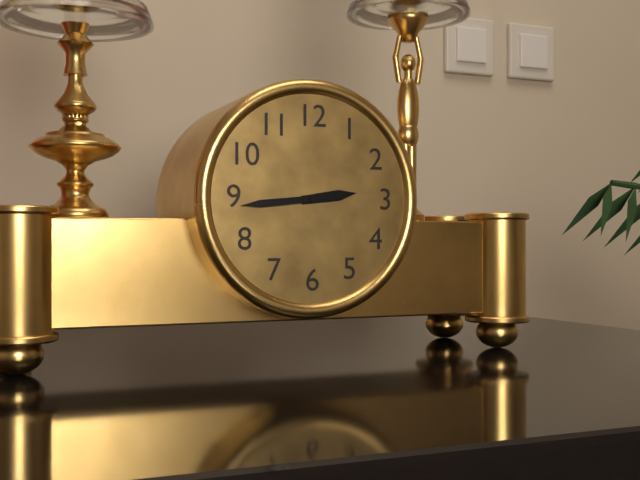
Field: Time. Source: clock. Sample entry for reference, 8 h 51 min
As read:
2 h 44 min
